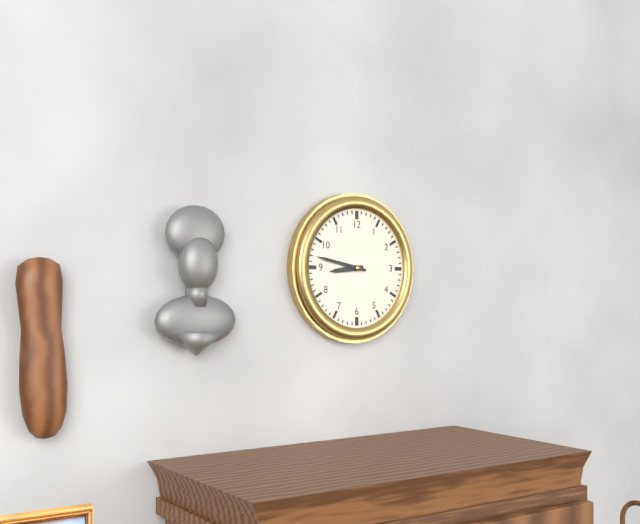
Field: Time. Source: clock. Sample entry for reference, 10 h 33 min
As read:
8 h 47 min
